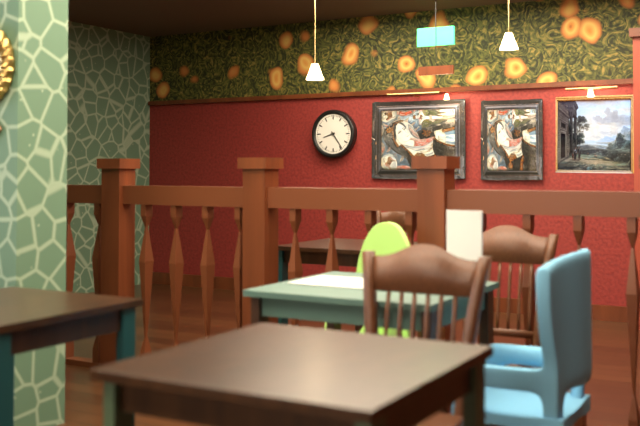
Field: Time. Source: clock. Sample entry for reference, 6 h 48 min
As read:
8 h 24 min
